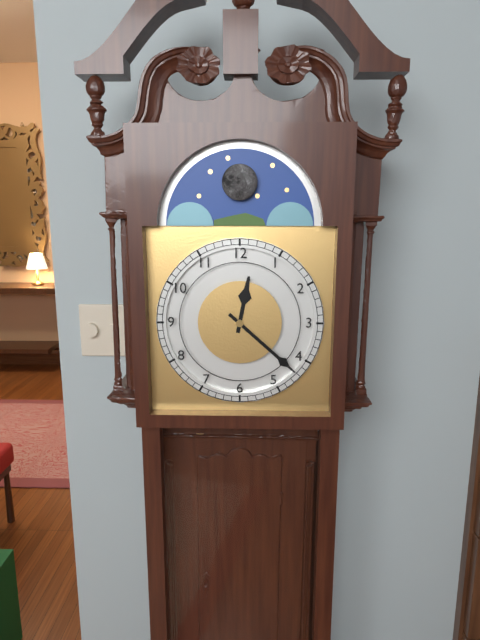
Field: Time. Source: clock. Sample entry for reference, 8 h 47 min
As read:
12 h 22 min
